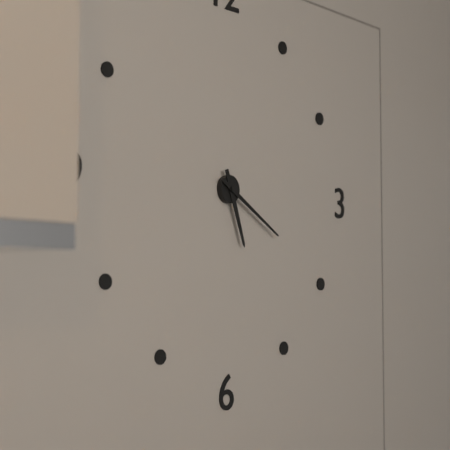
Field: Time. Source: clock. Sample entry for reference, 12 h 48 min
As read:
5 h 20 min
